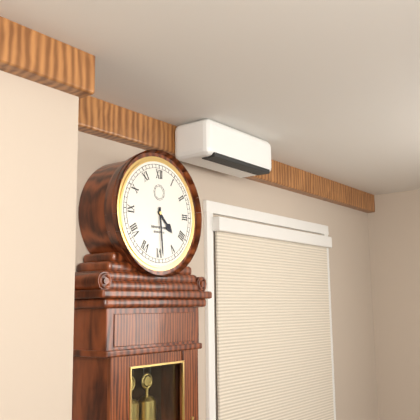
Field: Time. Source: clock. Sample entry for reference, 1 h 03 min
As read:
4 h 29 min
